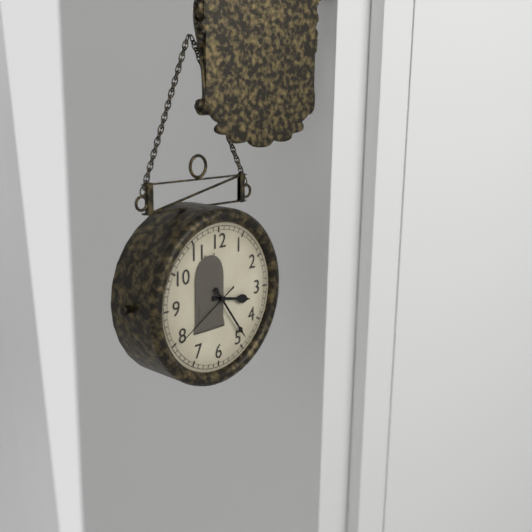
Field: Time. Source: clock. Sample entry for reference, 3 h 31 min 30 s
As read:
3 h 24 min 40 s
